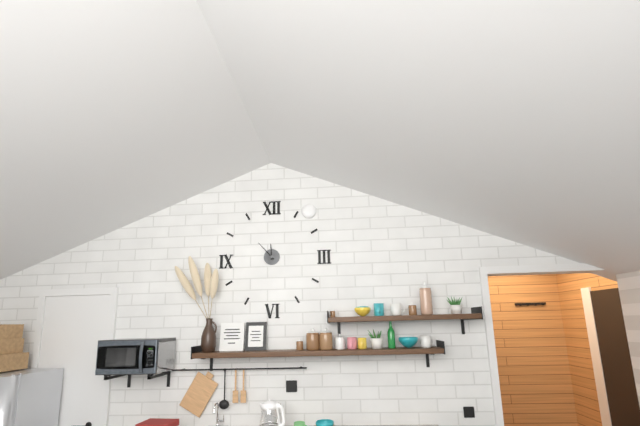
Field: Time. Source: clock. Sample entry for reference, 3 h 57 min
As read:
11 h 53 min
